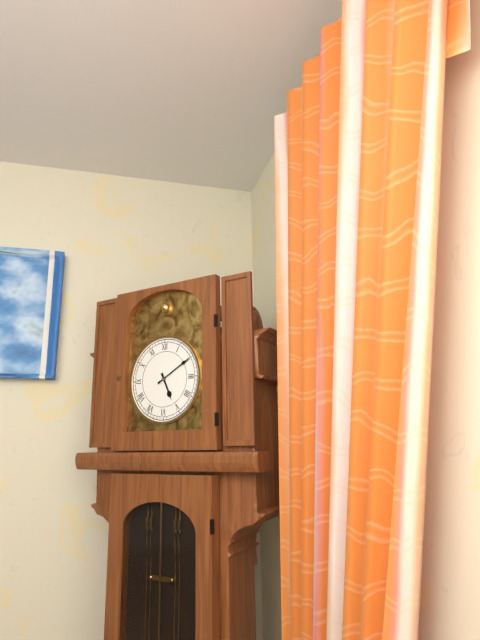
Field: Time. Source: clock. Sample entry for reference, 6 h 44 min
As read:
5 h 10 min
